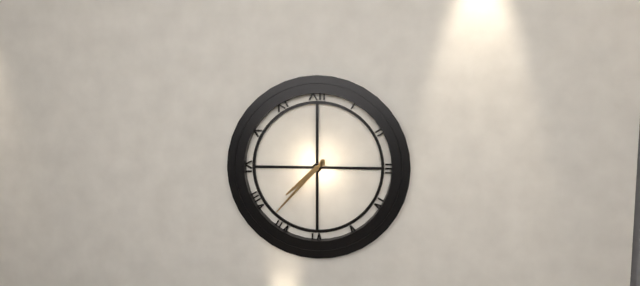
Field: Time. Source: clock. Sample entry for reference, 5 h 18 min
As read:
7 h 37 min
